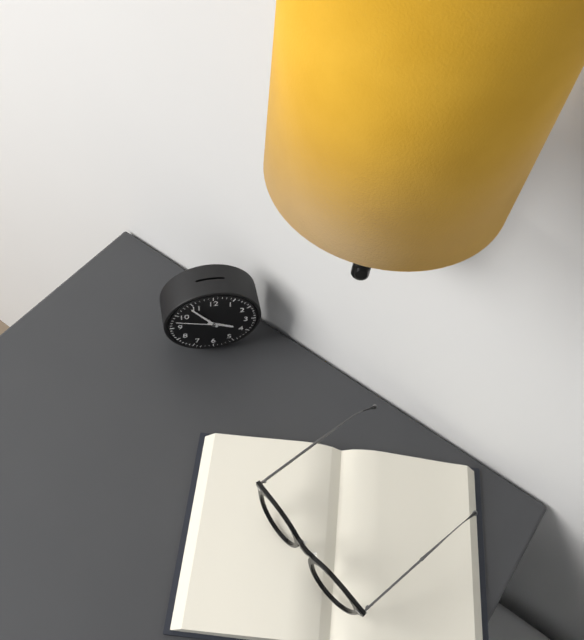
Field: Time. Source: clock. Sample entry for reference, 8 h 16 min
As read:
3 h 54 min
